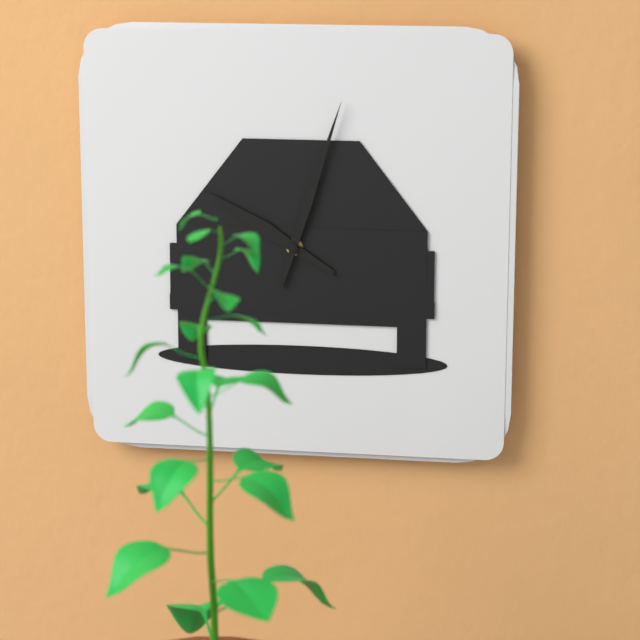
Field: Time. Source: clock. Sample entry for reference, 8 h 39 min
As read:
10 h 03 min
